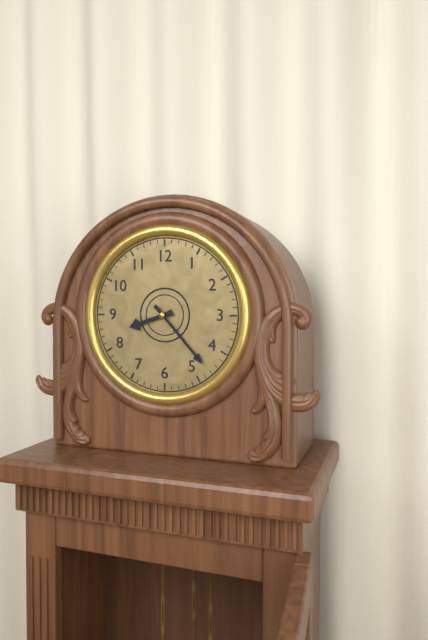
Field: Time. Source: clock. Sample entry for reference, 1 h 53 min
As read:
8 h 23 min
